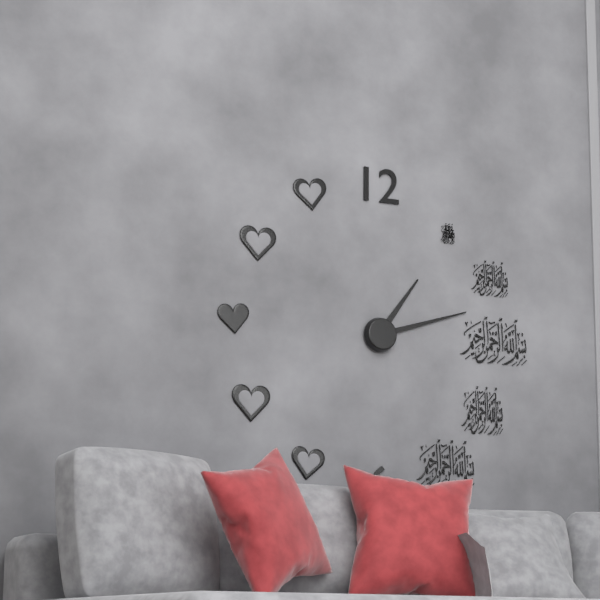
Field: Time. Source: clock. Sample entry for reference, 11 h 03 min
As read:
1 h 12 min
